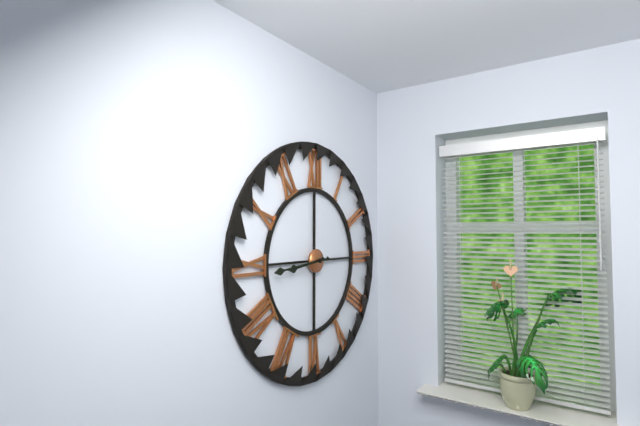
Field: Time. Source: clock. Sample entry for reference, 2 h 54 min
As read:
8 h 44 min
